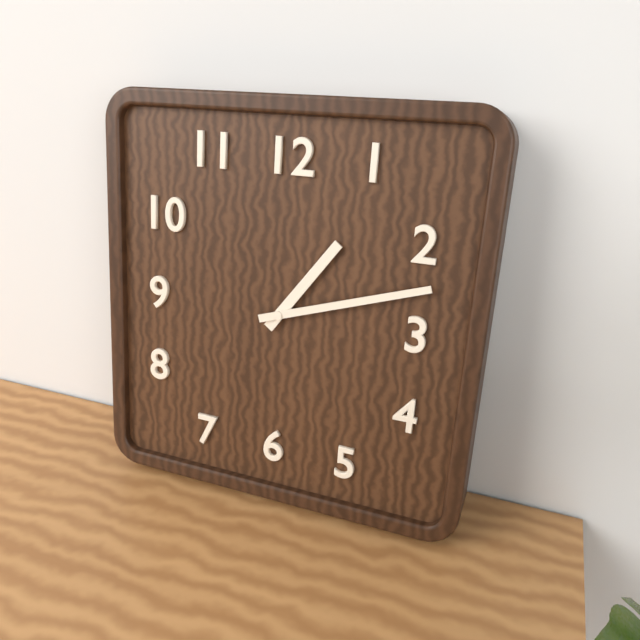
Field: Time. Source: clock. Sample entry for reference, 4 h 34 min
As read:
1 h 12 min
